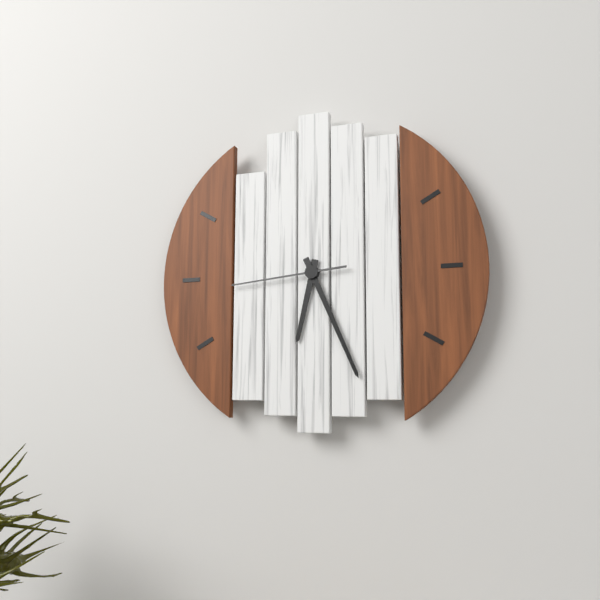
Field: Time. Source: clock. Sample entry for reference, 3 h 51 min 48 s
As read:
6 h 26 min 44 s
